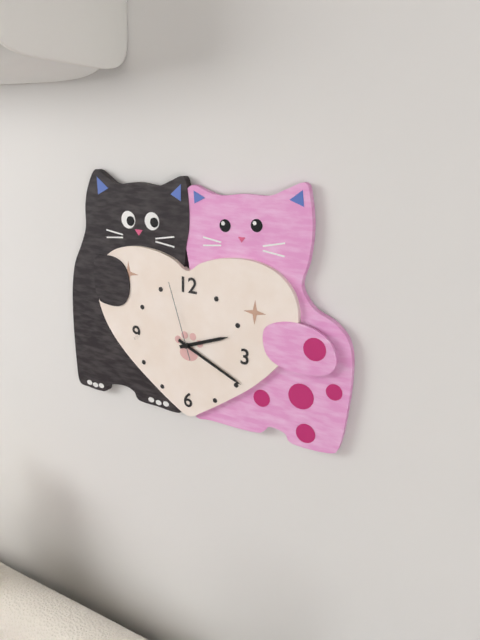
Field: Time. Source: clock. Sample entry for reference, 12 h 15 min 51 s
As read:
2 h 19 min 57 s
